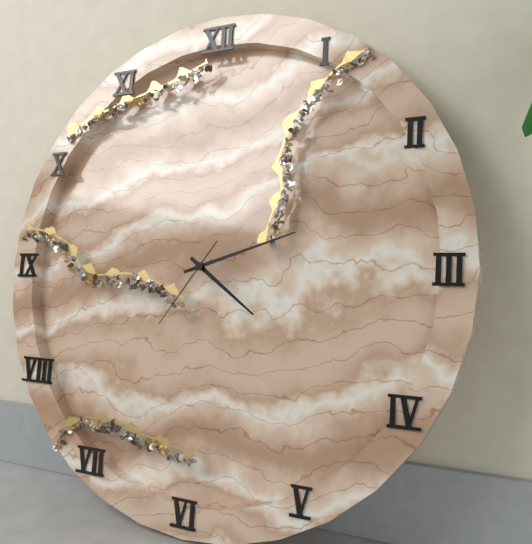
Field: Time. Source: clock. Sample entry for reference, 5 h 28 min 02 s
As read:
4 h 12 min 36 s
